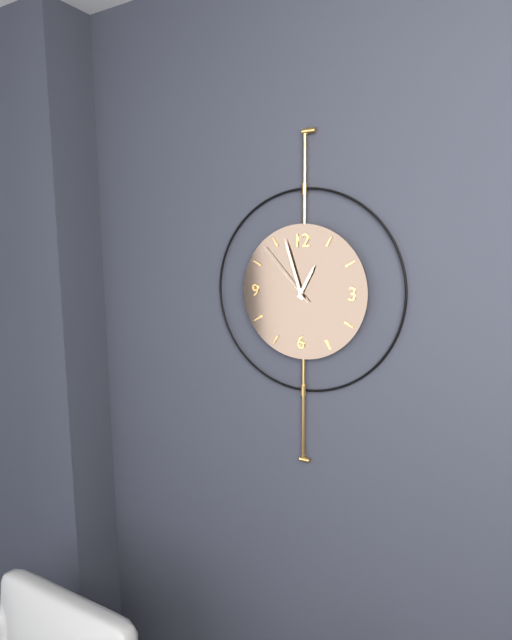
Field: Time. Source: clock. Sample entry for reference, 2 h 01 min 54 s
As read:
12 h 57 min 53 s
